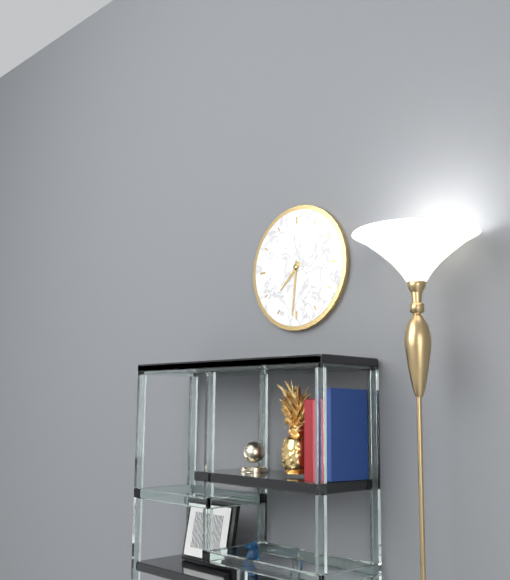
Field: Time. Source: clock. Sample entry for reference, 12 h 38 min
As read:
7 h 31 min
